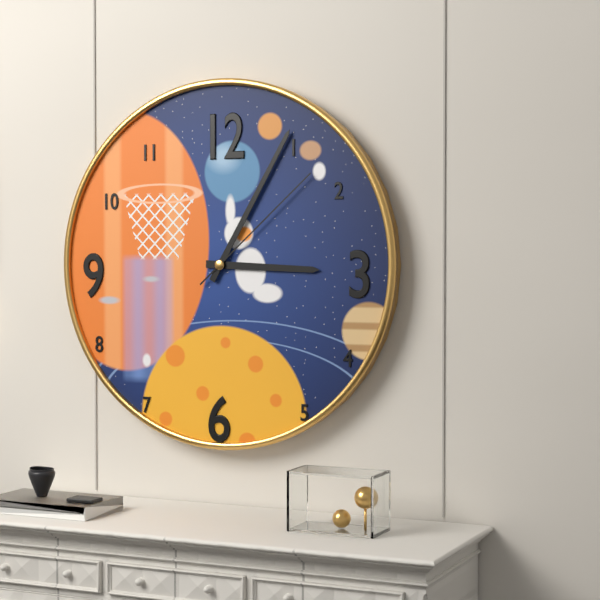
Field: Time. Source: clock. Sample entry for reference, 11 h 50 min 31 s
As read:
3 h 05 min 08 s
